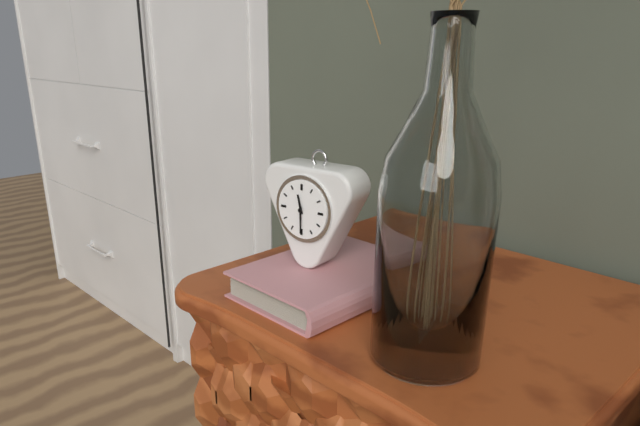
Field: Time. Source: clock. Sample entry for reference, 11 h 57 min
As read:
11 h 30 min
